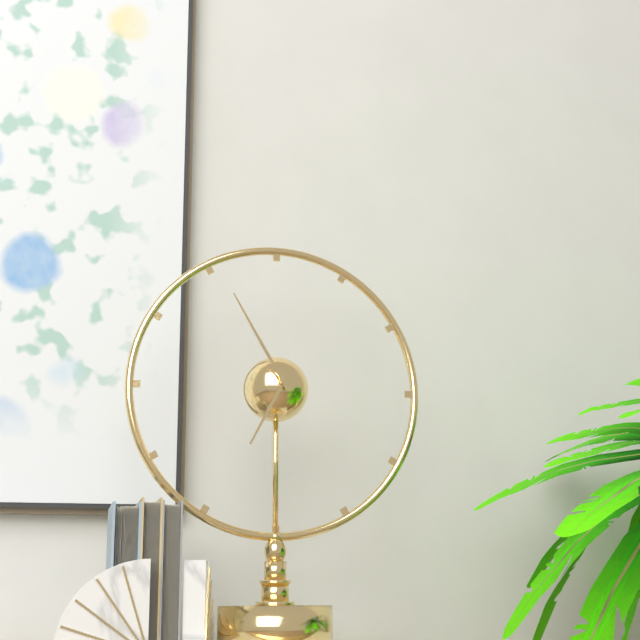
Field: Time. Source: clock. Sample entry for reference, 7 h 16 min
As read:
6 h 55 min
